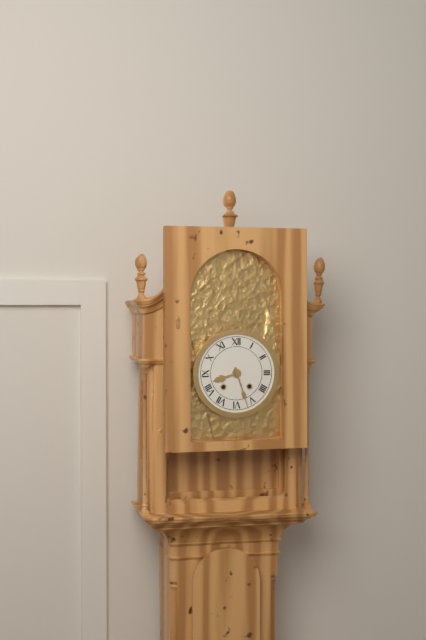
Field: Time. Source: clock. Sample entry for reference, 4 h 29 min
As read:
8 h 27 min
